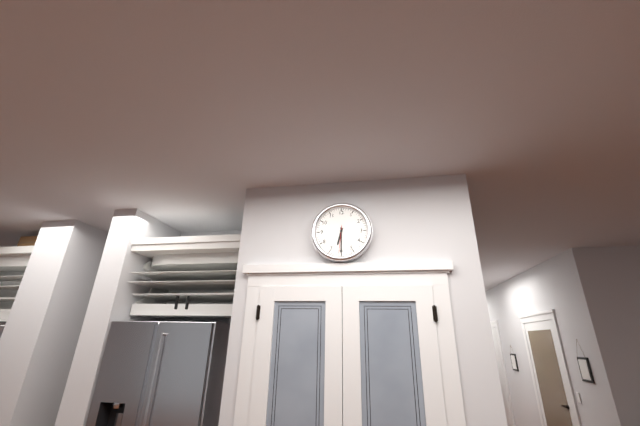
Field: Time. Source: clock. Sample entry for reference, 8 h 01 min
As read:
6 h 30 min
